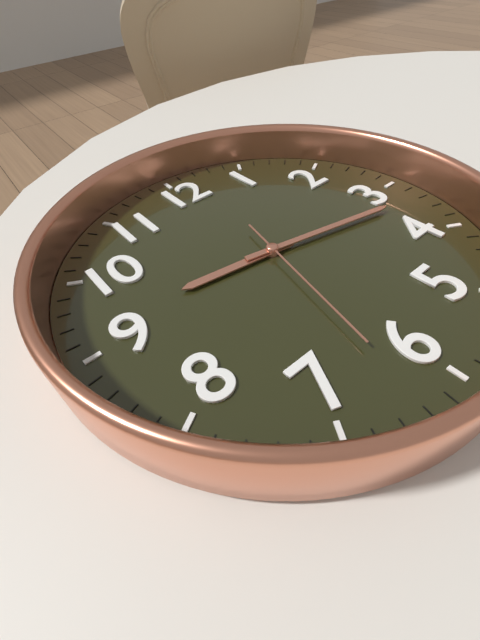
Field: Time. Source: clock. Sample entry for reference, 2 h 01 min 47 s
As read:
9 h 17 min 32 s
